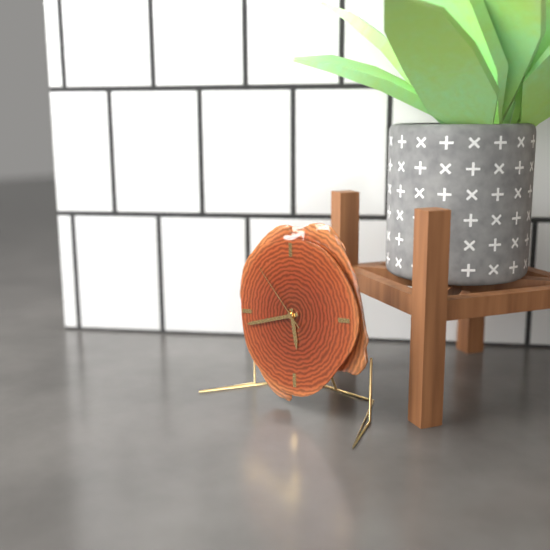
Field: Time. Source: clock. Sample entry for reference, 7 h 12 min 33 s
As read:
5 h 43 min 53 s
